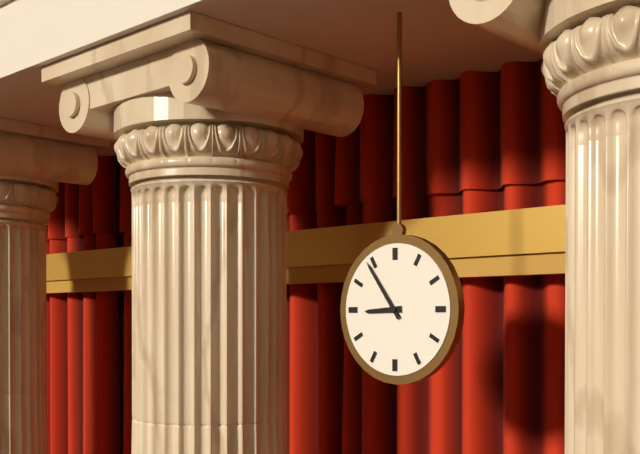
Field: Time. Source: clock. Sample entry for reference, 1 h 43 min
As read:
8 h 54 min
